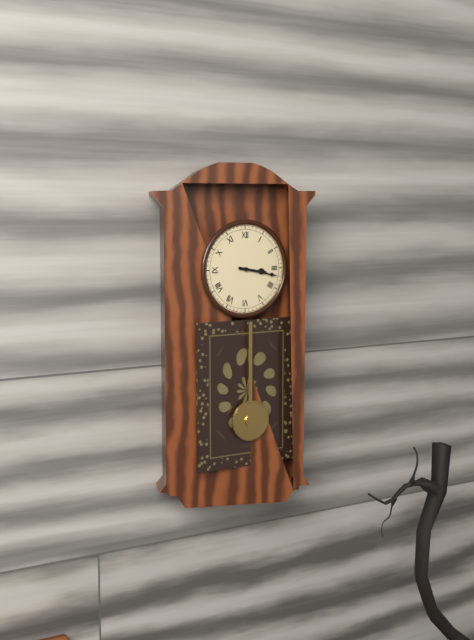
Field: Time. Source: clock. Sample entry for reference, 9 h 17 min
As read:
3 h 17 min
